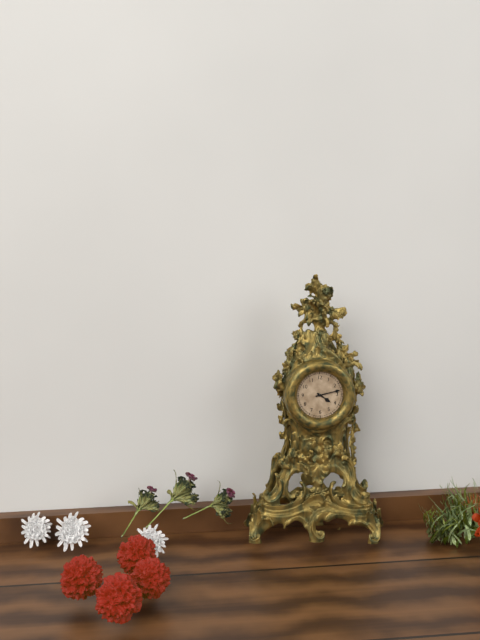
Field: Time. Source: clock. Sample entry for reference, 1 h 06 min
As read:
4 h 13 min
